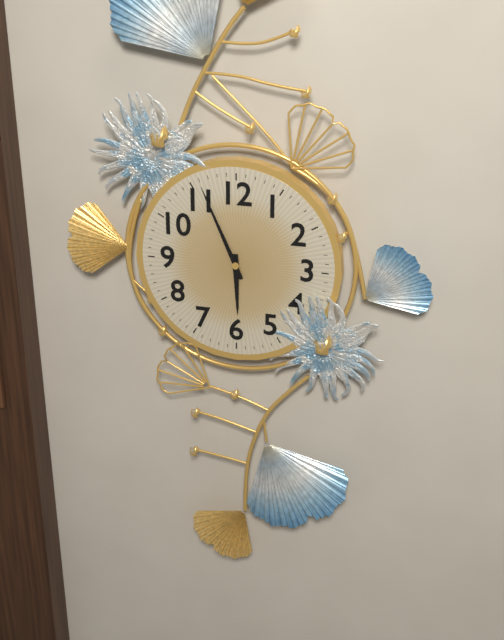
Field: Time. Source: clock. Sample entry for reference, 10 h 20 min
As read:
5 h 56 min
